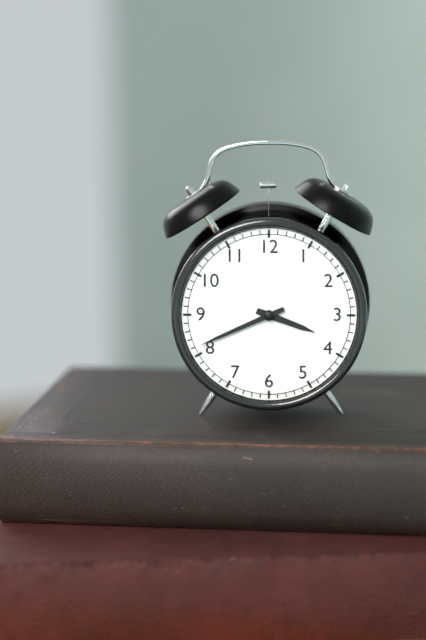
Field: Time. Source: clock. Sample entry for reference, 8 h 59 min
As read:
3 h 41 min
